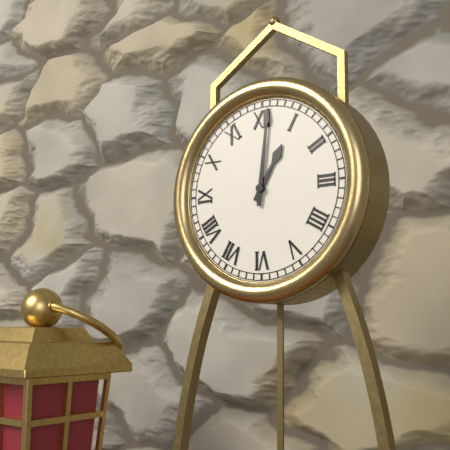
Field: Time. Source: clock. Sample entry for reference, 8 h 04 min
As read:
1 h 01 min
